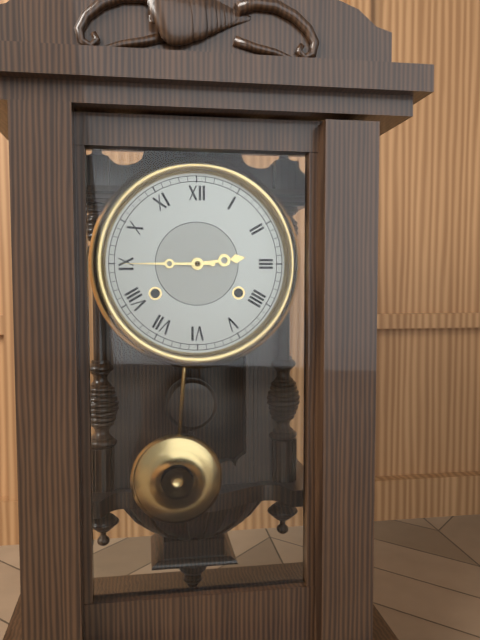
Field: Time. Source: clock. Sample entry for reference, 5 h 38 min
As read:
2 h 45 min
